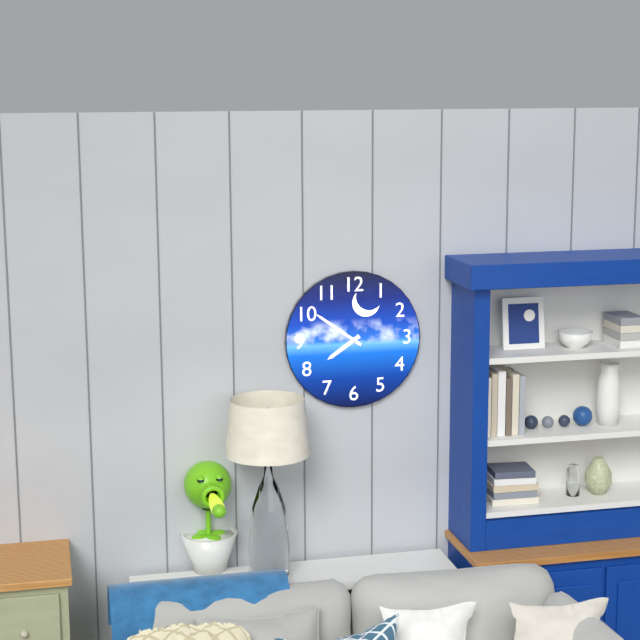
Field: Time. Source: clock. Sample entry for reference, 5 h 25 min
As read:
7 h 51 min
